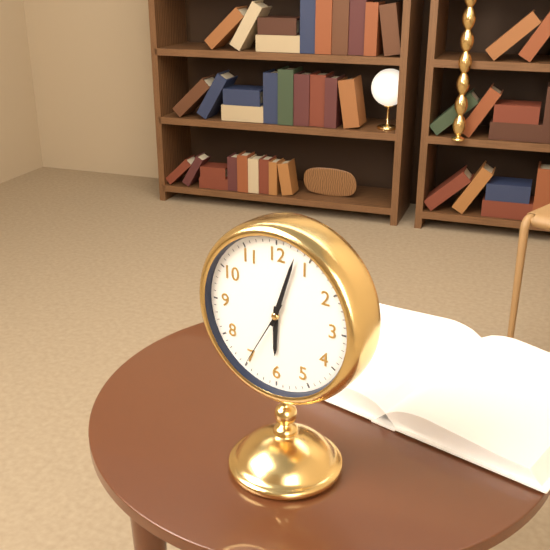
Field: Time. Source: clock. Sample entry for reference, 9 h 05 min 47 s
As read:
6 h 03 min 35 s
